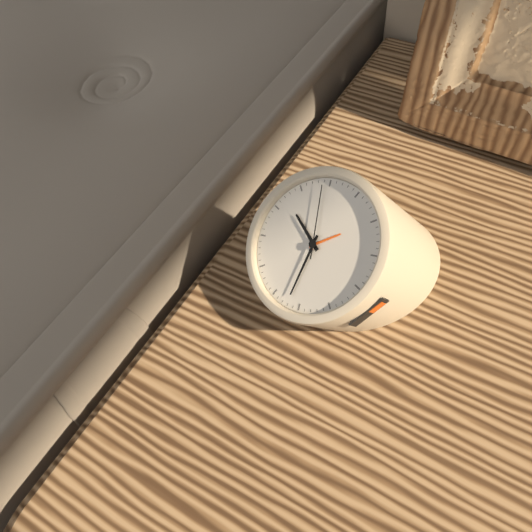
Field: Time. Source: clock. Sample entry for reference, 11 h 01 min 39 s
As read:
9 h 27 min 54 s
